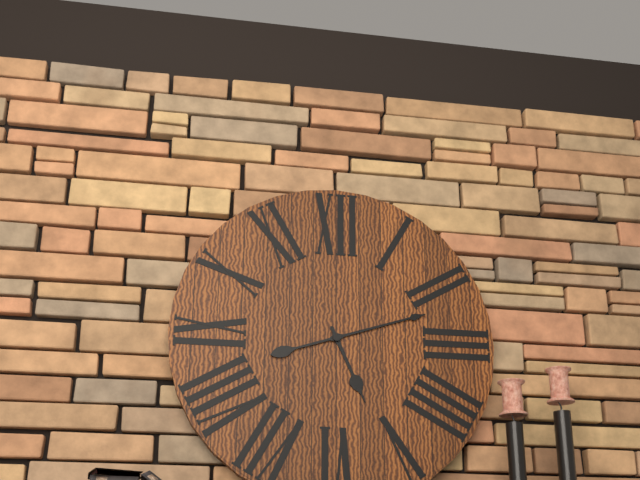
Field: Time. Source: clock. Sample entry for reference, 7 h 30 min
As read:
5 h 12 min
